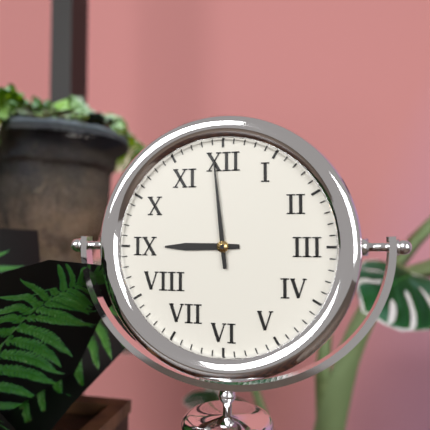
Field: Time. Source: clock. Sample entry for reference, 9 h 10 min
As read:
8 h 59 min
